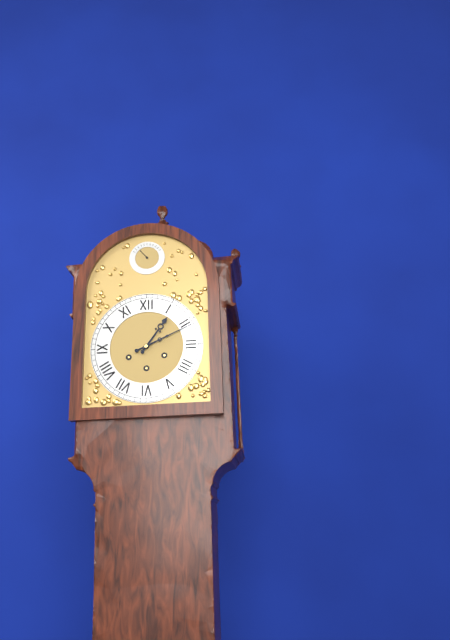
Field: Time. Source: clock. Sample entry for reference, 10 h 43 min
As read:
1 h 11 min
